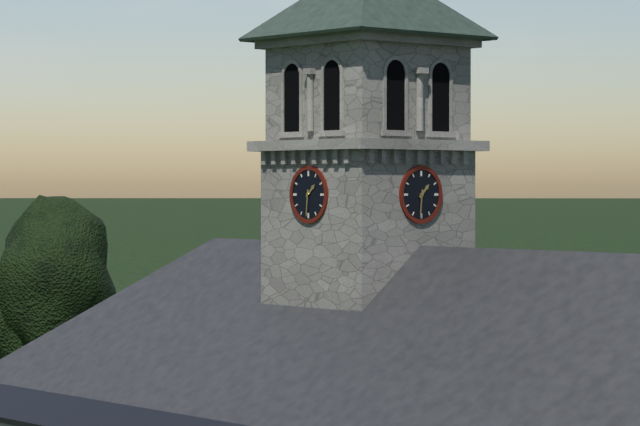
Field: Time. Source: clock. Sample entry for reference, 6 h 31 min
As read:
1 h 31 min
